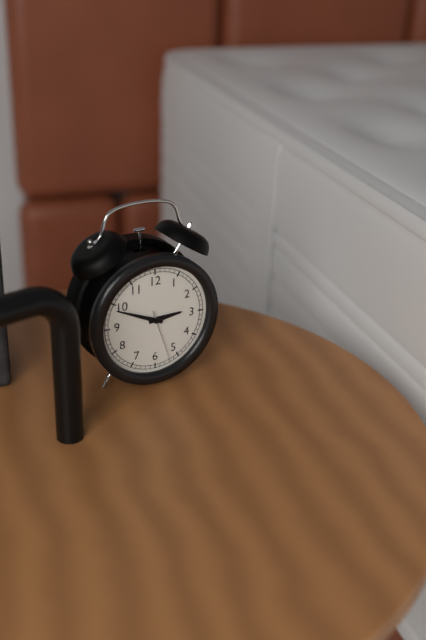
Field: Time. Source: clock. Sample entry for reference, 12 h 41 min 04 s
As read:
2 h 49 min 27 s
